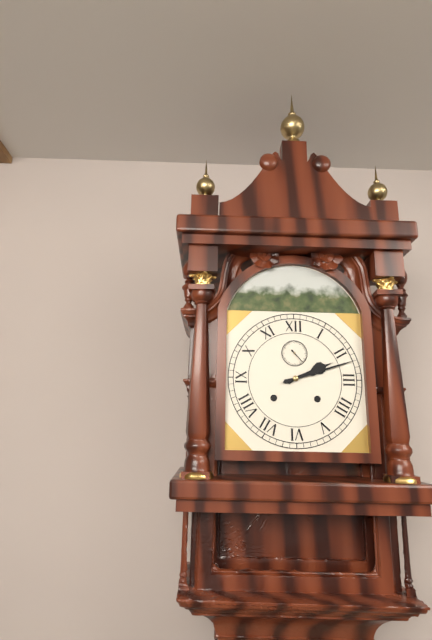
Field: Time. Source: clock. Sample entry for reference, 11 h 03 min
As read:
2 h 12 min
